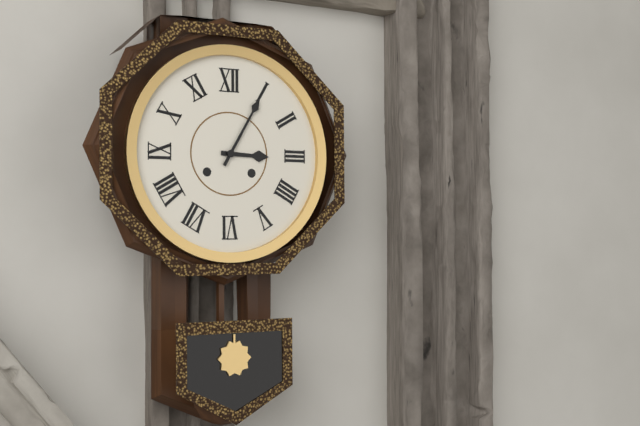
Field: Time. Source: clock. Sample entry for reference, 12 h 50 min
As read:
3 h 05 min
